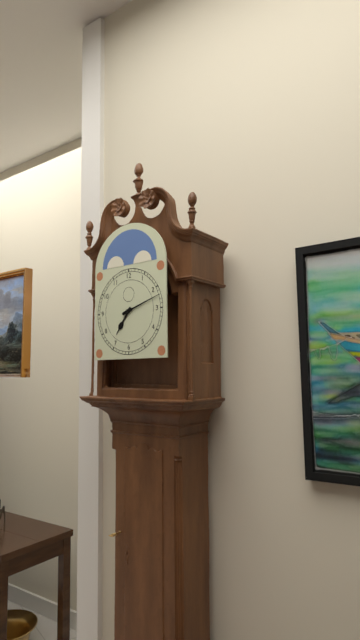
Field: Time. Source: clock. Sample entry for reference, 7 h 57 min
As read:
7 h 12 min
